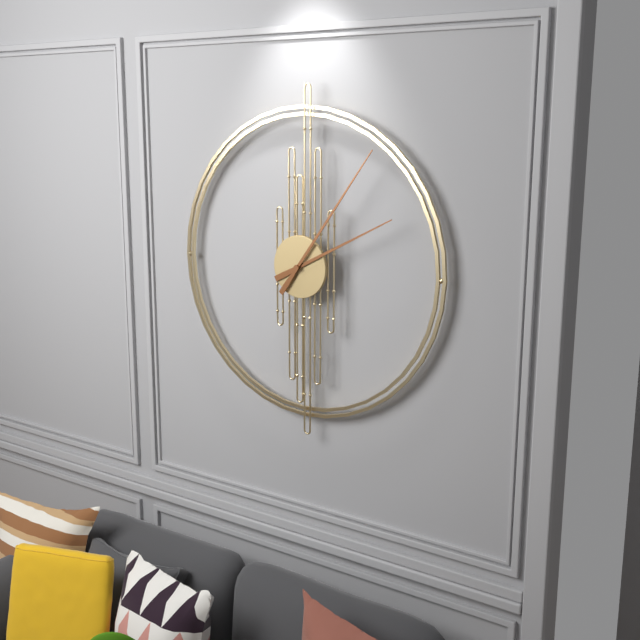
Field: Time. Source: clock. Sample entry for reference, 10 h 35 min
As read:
2 h 06 min
